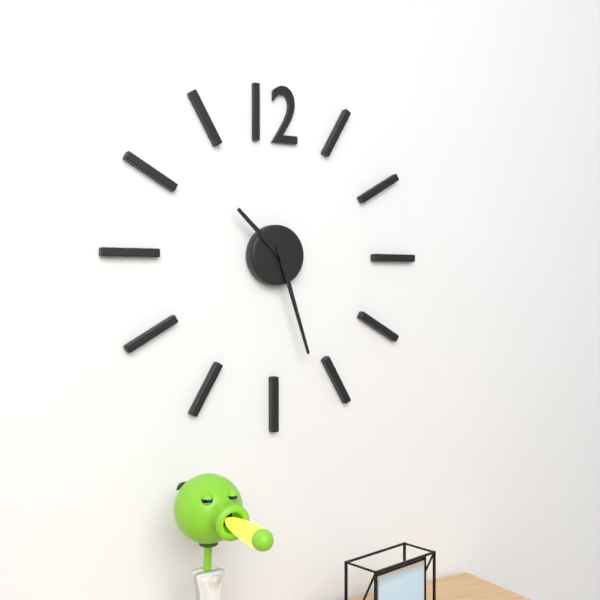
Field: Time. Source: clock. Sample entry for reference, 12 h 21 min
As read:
10 h 27 min
